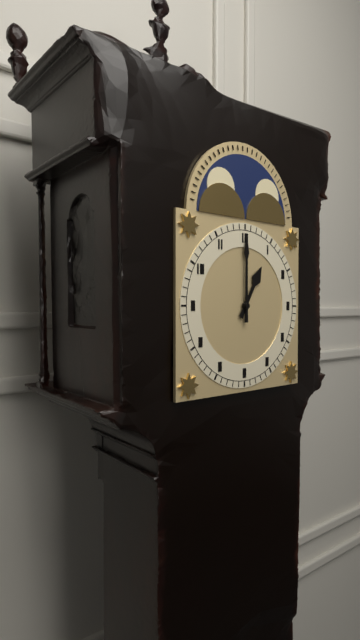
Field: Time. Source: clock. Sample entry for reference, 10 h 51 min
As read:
1 h 00 min
